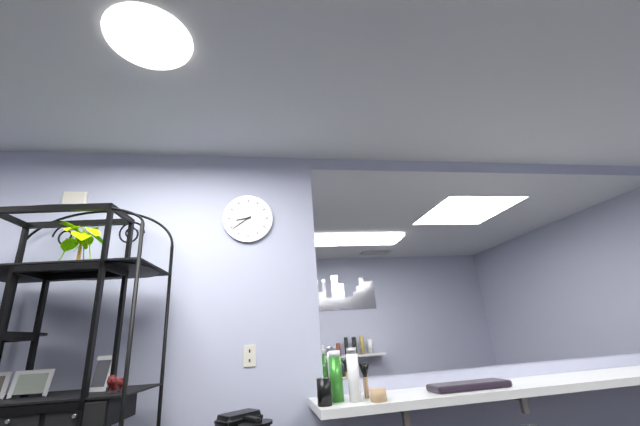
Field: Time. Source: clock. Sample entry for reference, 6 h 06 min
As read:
8 h 39 min
